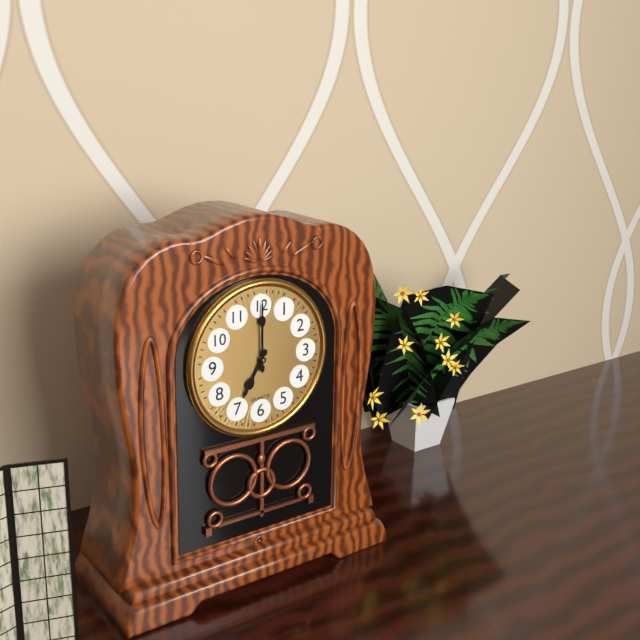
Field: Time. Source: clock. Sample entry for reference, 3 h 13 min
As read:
7 h 00 min
